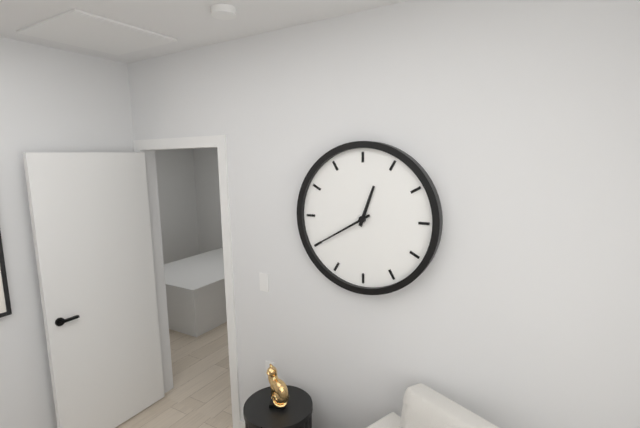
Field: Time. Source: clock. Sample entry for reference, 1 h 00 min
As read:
12 h 40 min
